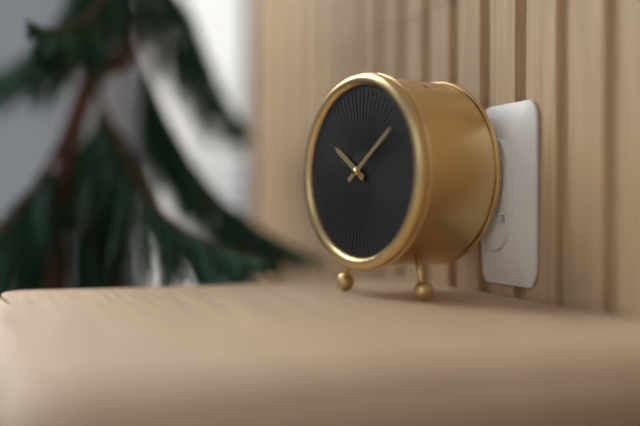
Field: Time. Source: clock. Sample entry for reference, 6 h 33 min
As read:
10 h 09 min
